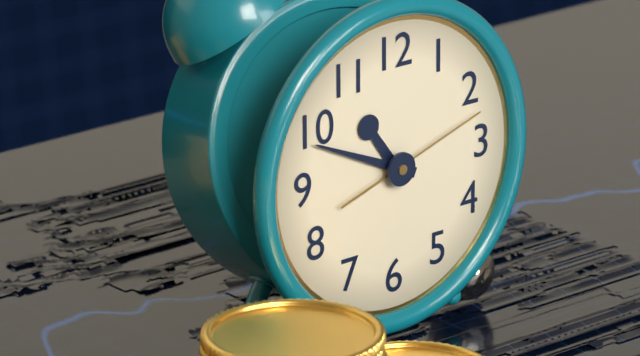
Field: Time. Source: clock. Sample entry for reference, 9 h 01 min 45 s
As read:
10 h 49 min 12 s
